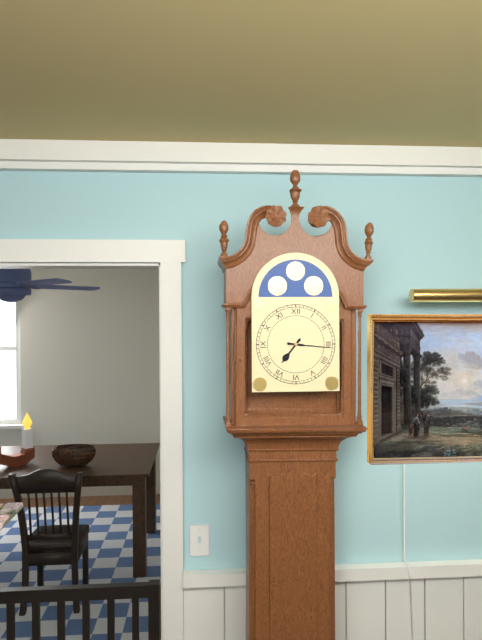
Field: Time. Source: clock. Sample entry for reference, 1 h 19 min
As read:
7 h 16 min
